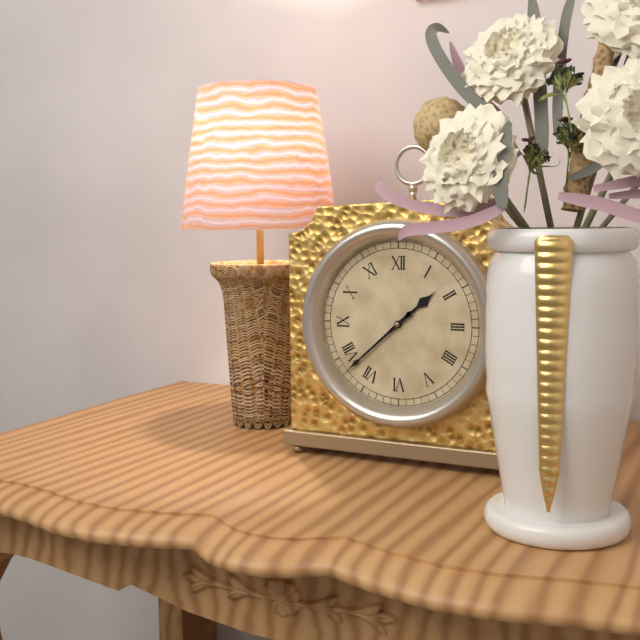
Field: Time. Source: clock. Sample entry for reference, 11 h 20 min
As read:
1 h 38 min
